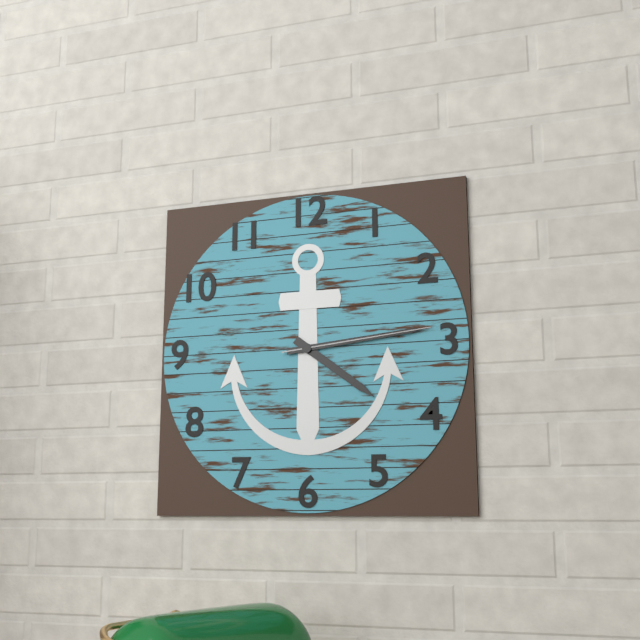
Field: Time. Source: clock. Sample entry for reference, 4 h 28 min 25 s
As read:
4 h 14 min 14 s
